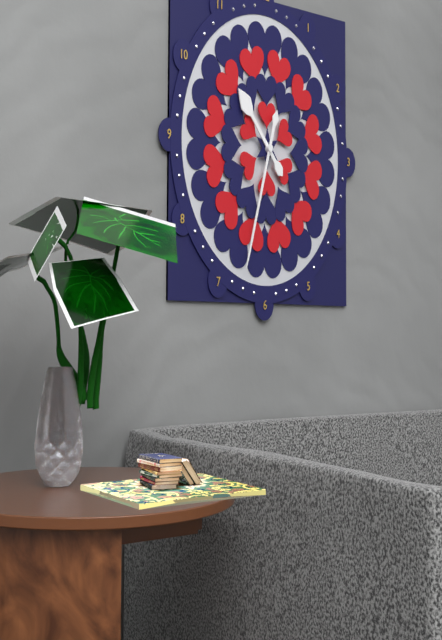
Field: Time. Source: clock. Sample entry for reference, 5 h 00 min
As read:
10 h 33 min
